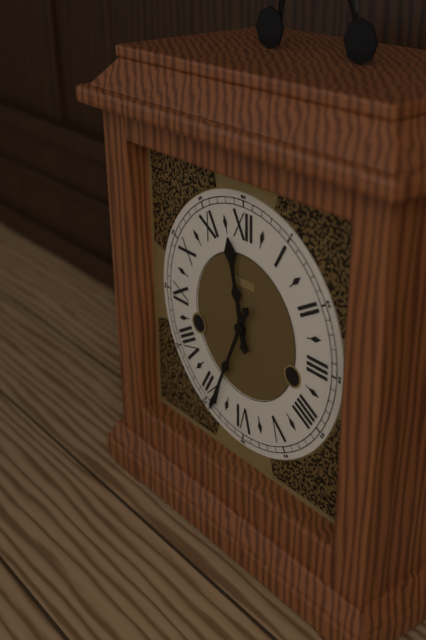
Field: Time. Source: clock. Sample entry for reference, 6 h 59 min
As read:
11 h 34 min
